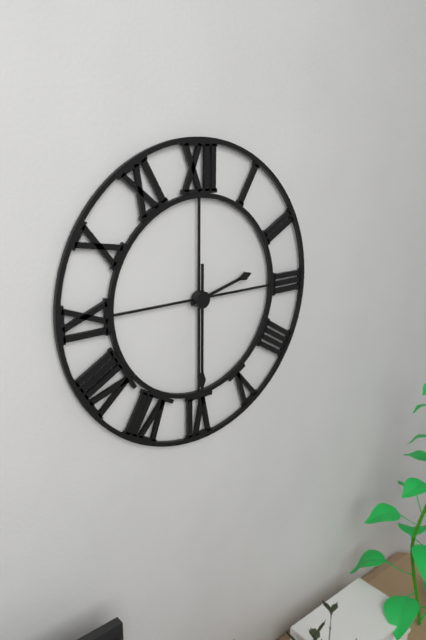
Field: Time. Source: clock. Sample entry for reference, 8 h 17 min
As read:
2 h 30 min
